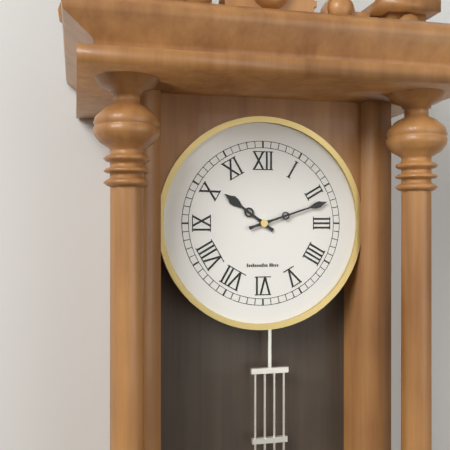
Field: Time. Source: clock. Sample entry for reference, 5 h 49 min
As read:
10 h 12 min
